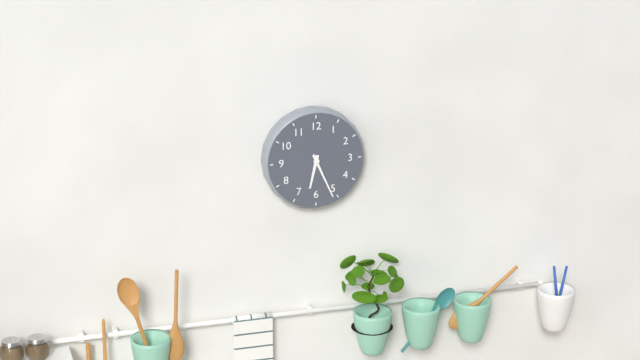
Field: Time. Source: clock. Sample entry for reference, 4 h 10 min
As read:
6 h 26 min
